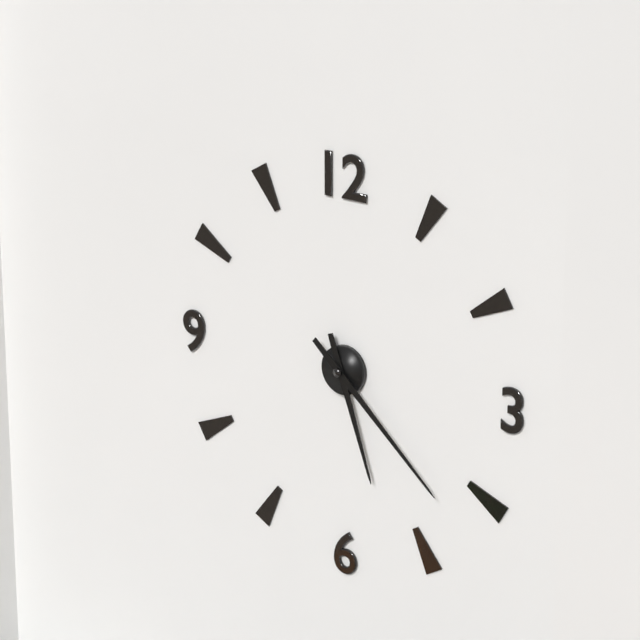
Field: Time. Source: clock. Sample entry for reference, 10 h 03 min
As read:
5 h 22 min
